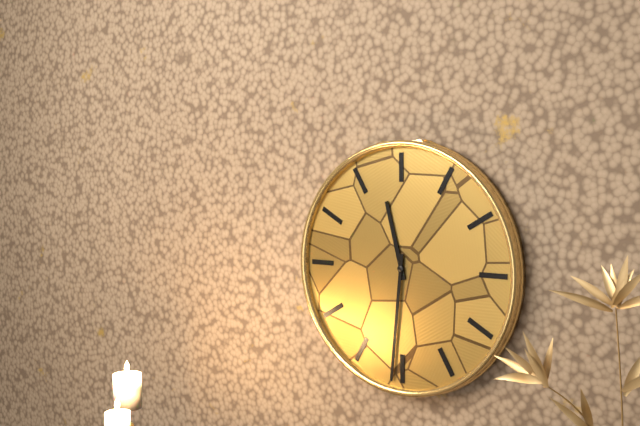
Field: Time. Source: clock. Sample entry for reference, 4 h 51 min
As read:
11 h 31 min
